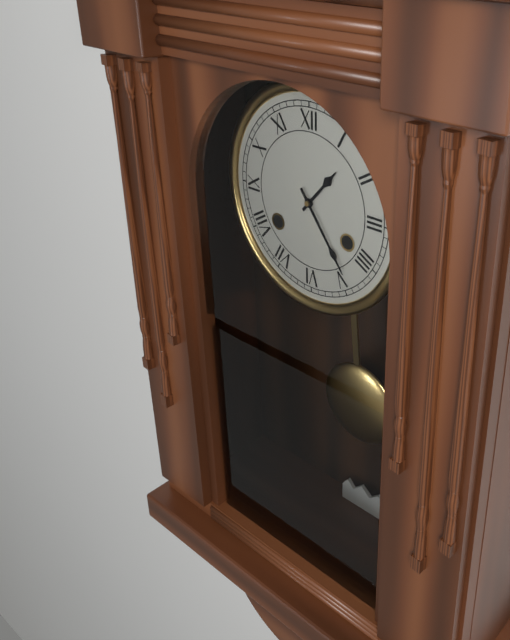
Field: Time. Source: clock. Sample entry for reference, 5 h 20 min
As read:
1 h 24 min
